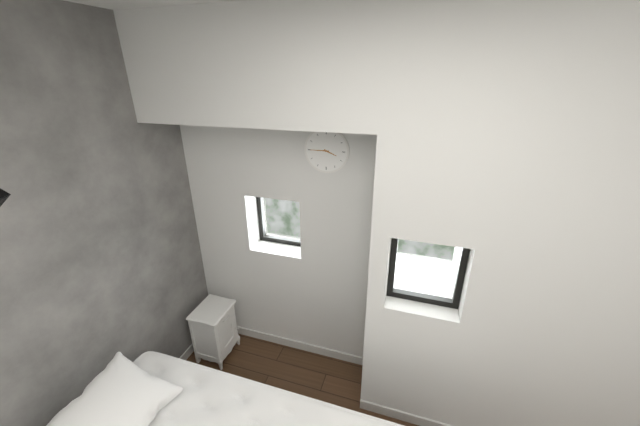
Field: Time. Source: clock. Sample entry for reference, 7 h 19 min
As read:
3 h 45 min
